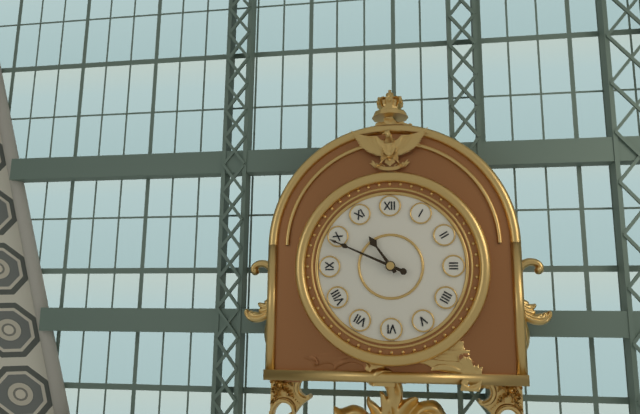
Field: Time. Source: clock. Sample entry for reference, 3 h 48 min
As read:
10 h 49 min
